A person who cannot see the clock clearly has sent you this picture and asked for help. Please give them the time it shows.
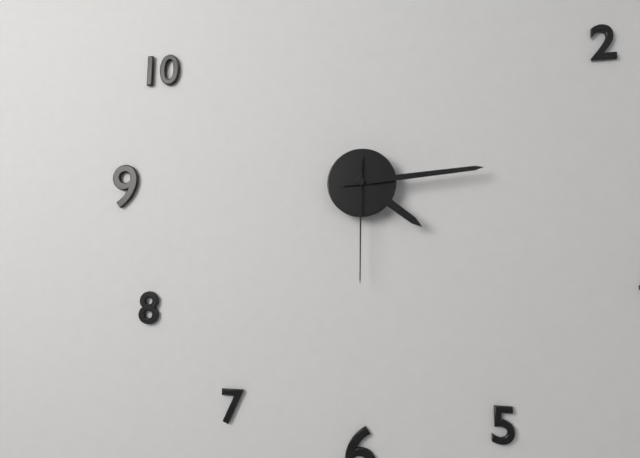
4:14:30
